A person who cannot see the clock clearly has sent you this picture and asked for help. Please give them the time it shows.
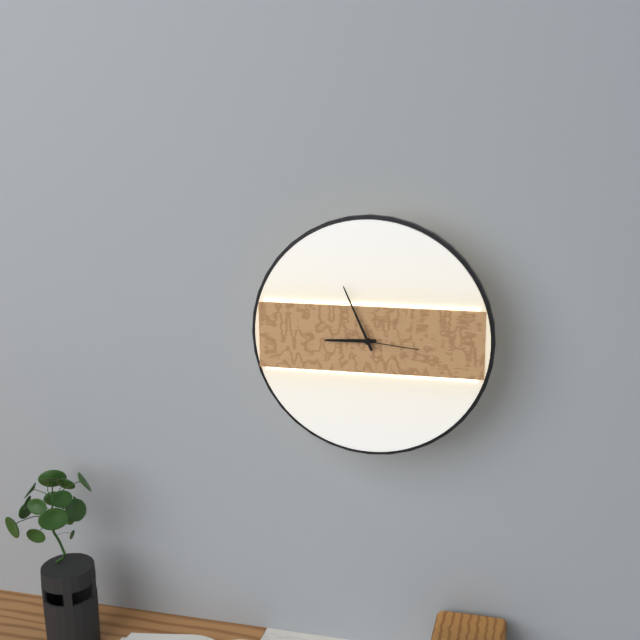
8:56:16
